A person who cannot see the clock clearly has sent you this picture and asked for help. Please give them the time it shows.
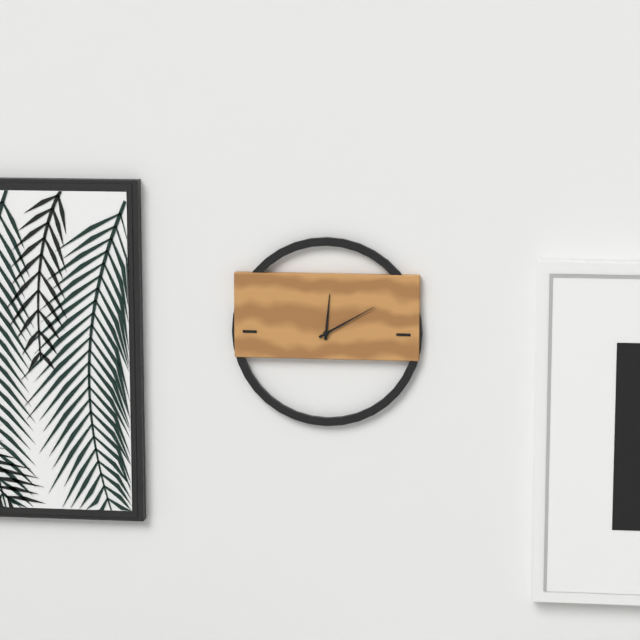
12:10
